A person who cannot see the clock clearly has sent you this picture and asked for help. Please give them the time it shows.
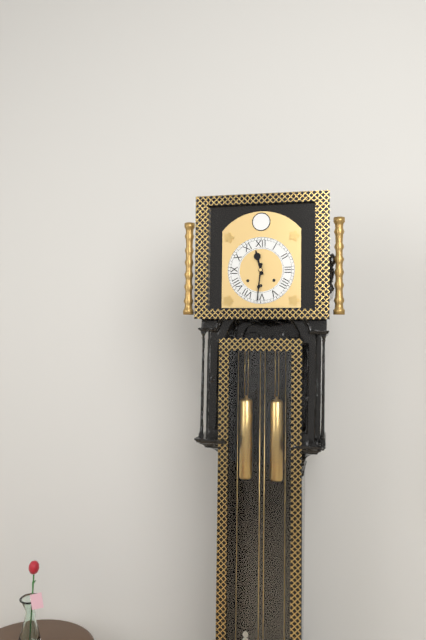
11:31
